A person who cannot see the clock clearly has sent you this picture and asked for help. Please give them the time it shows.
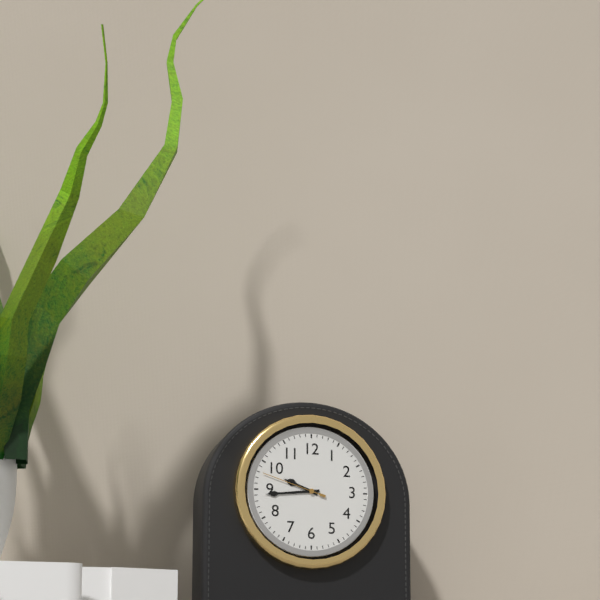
9:44:48
